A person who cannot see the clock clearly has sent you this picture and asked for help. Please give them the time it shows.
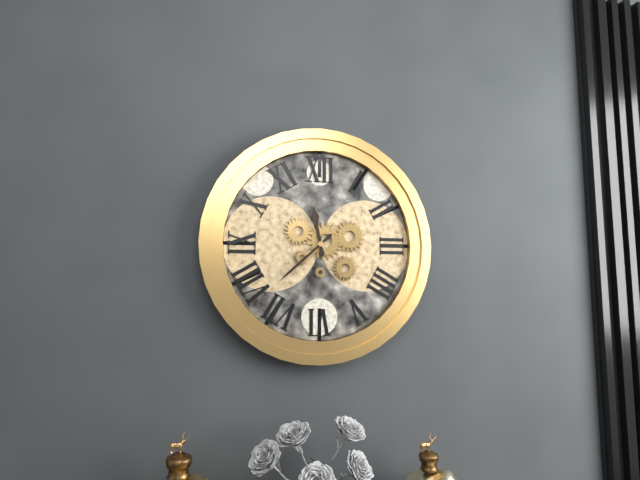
11:38
